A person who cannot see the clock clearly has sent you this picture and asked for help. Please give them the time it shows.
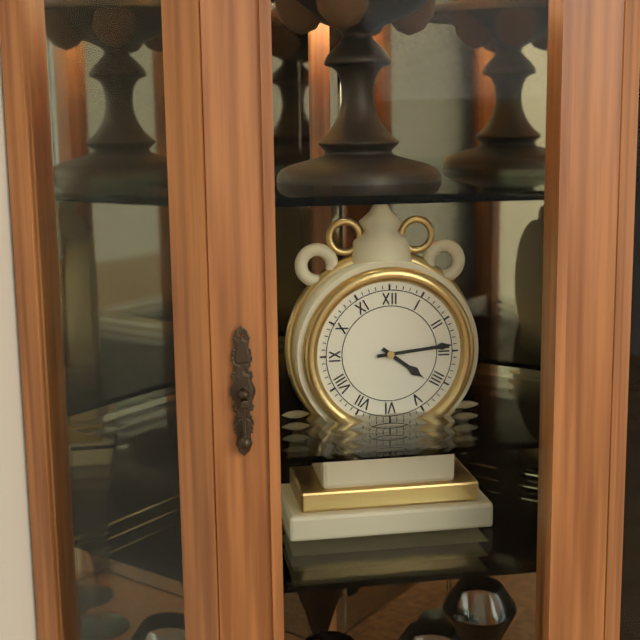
4:14
